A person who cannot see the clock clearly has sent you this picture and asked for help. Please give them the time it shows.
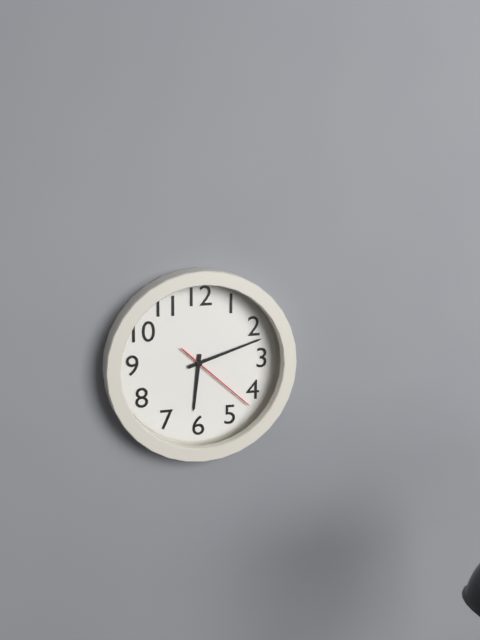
6:12:22
